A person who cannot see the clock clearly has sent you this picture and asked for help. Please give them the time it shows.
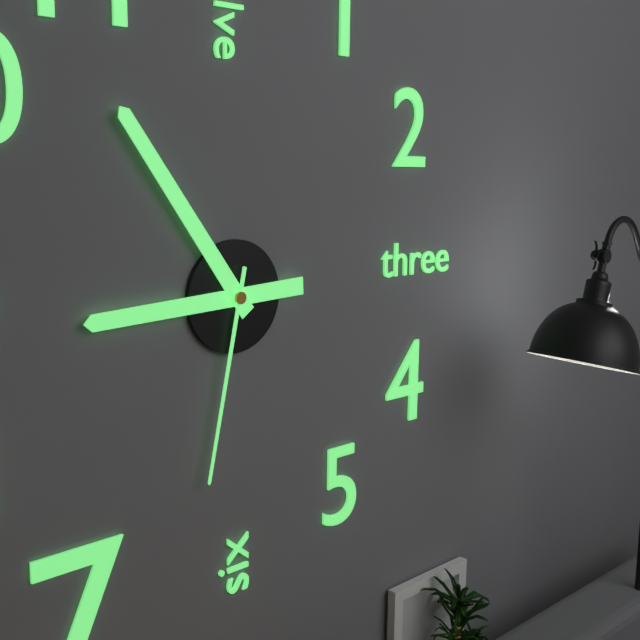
8:54:32
